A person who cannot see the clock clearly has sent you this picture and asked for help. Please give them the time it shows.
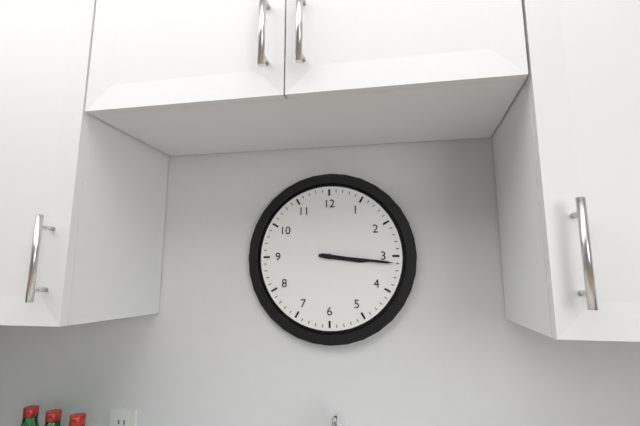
3:16
